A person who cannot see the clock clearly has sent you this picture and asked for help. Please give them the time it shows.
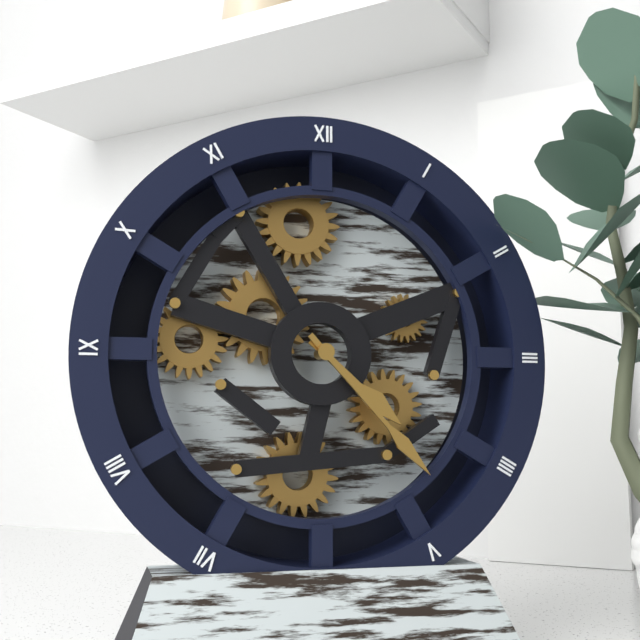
4:23
